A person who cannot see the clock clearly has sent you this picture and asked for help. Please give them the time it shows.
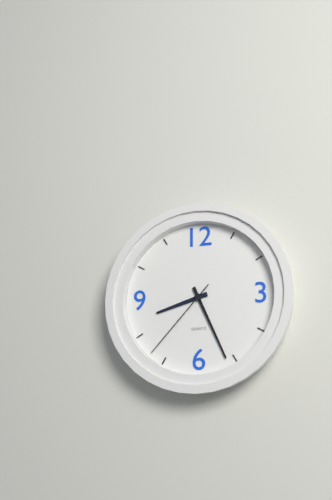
8:26:37
